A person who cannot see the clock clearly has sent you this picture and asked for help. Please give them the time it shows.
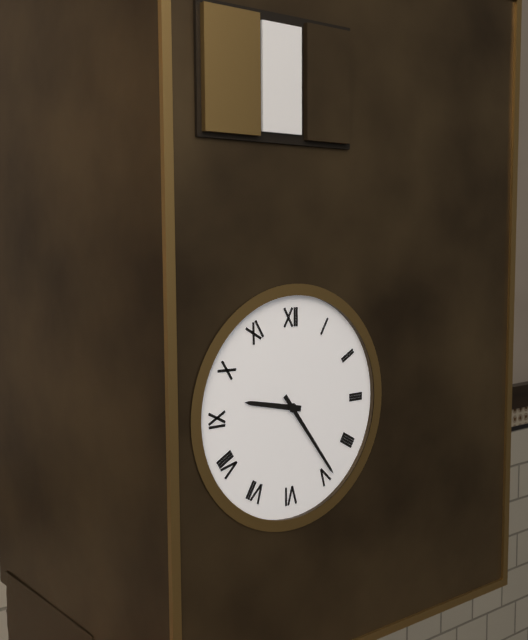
9:24
